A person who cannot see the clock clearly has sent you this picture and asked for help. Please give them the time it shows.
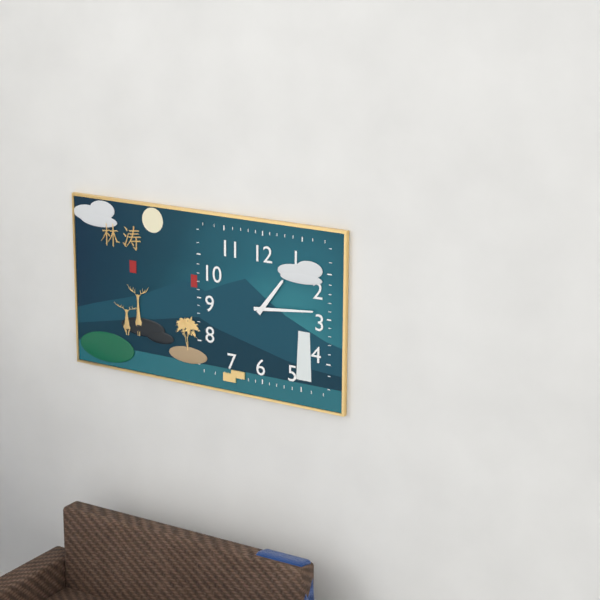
1:14
